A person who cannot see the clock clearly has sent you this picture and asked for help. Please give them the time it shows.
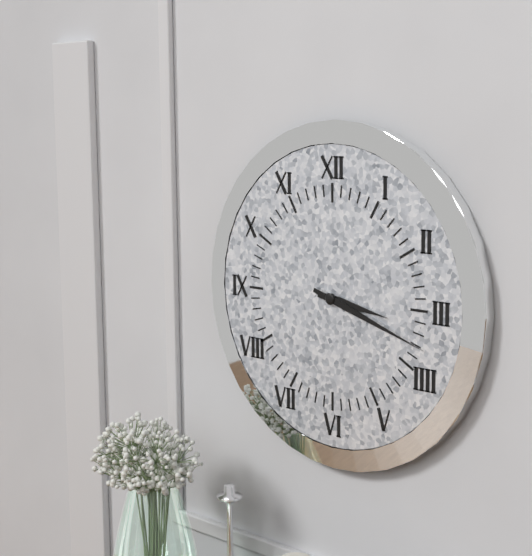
3:18
